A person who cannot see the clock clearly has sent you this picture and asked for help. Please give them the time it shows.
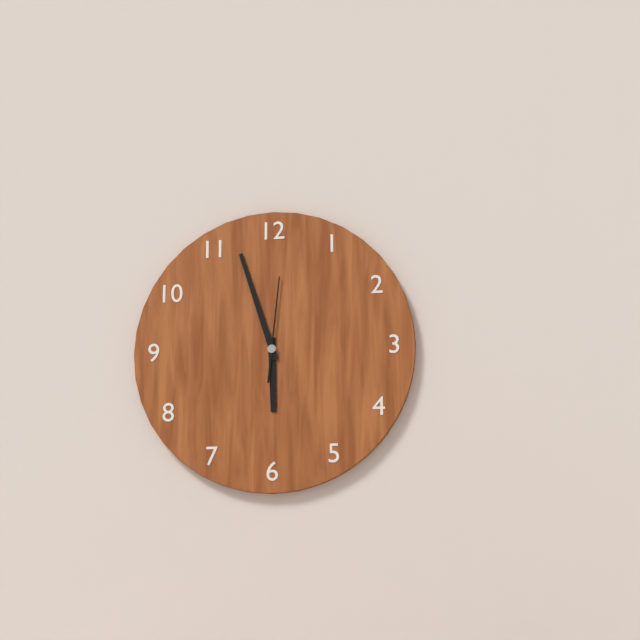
5:57:01
